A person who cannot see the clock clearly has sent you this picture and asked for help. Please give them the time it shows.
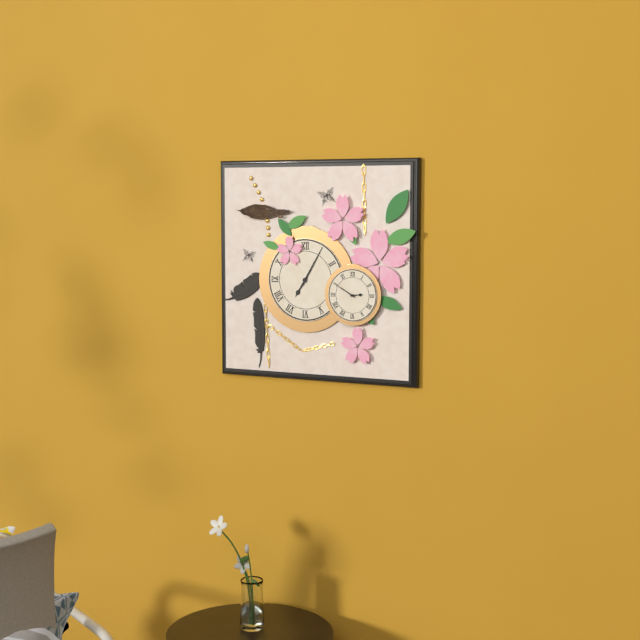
7:05
